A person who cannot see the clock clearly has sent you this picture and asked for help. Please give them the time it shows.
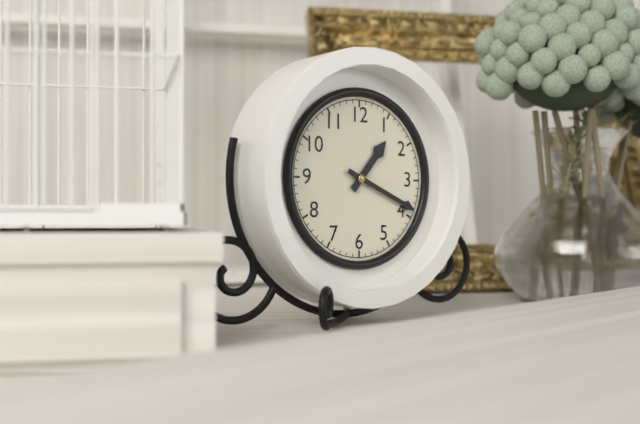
1:19
